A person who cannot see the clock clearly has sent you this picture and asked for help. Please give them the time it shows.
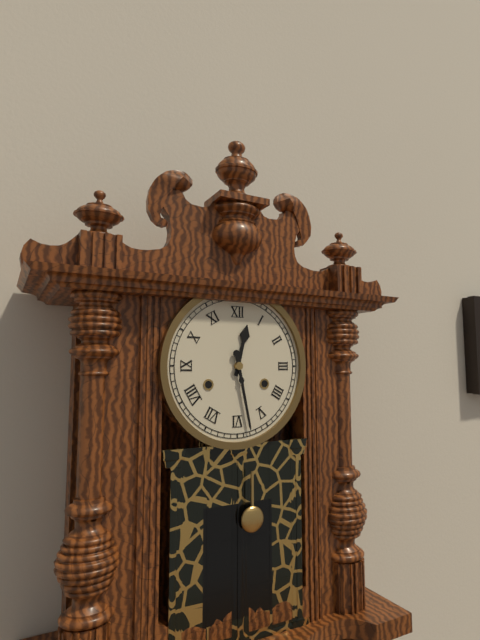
12:28
